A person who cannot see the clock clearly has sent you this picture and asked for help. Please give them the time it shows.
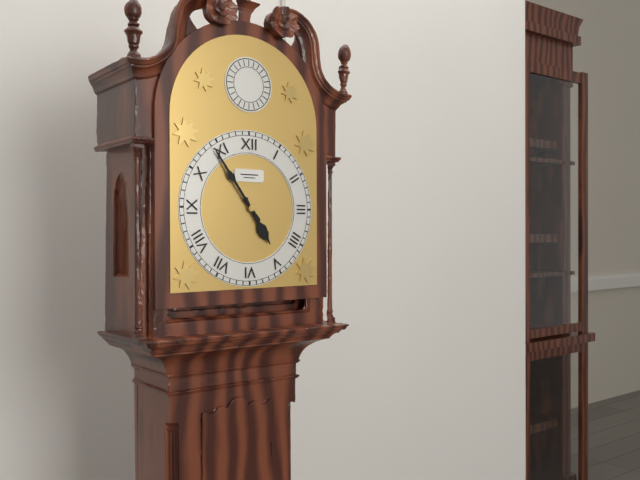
4:54
